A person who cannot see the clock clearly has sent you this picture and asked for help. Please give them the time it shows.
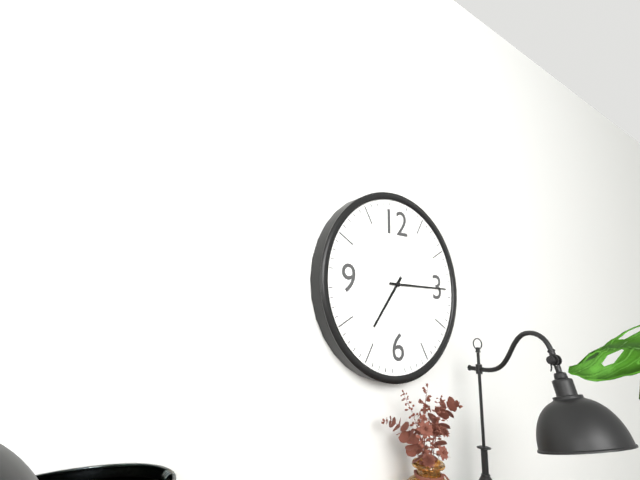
7:15
